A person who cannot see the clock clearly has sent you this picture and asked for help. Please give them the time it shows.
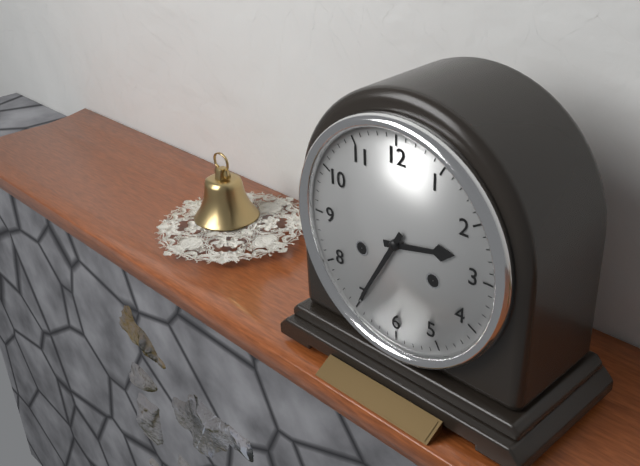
2:35
